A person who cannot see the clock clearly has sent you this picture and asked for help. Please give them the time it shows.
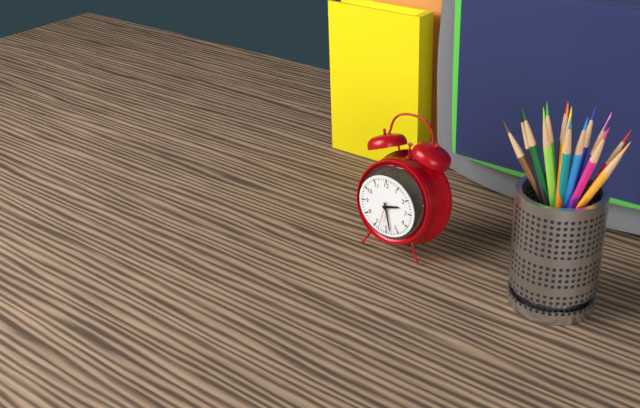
2:28
